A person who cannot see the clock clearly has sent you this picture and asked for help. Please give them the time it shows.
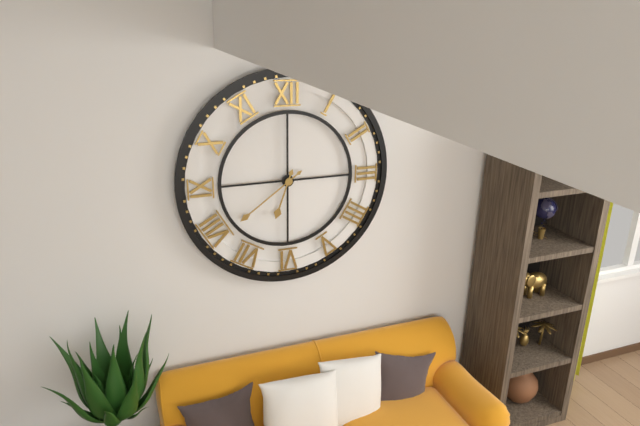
6:39
